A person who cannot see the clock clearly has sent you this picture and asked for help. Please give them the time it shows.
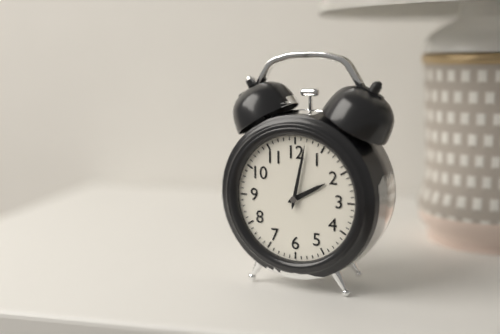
2:02
